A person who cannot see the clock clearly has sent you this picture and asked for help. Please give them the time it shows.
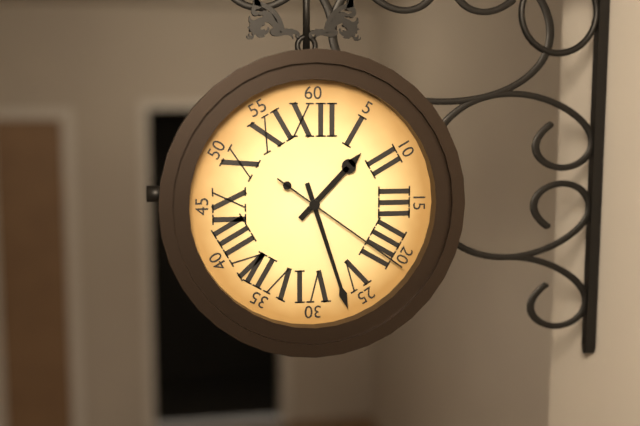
1:27:21
